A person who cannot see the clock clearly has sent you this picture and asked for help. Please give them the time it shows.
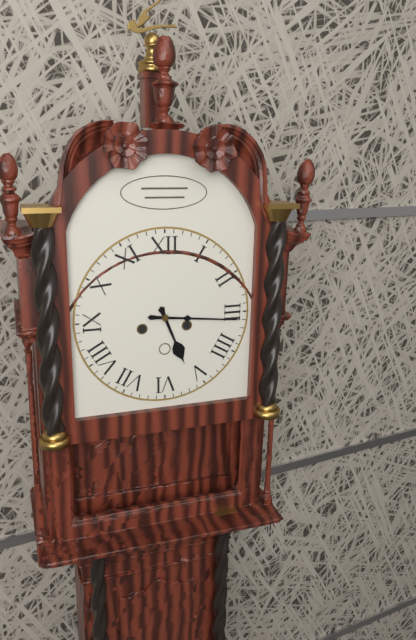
5:16
